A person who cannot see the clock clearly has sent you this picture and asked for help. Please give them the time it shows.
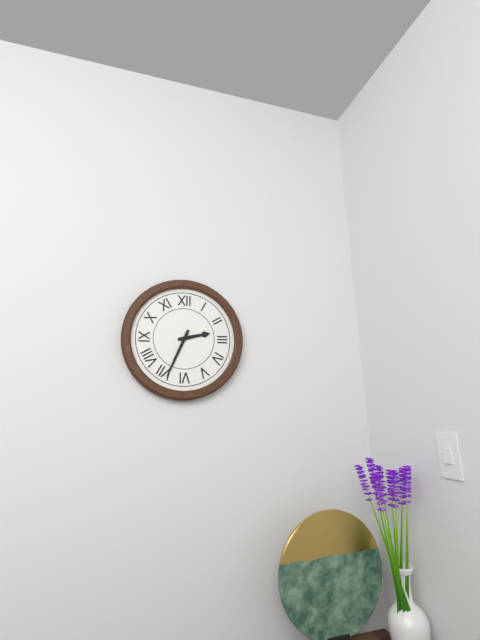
2:34
